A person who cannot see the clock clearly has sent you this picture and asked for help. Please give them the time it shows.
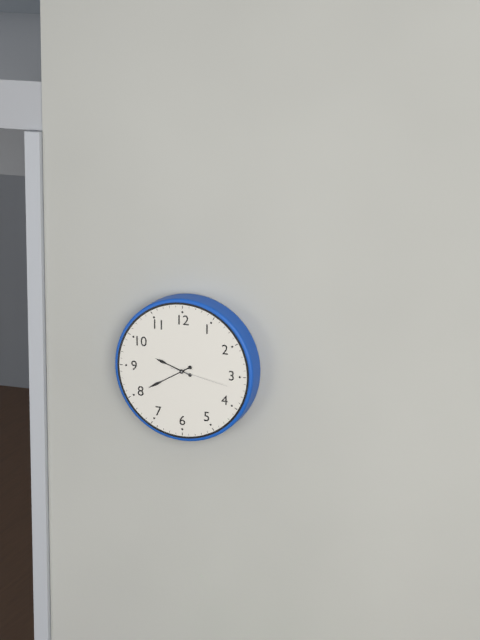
9:40:17
